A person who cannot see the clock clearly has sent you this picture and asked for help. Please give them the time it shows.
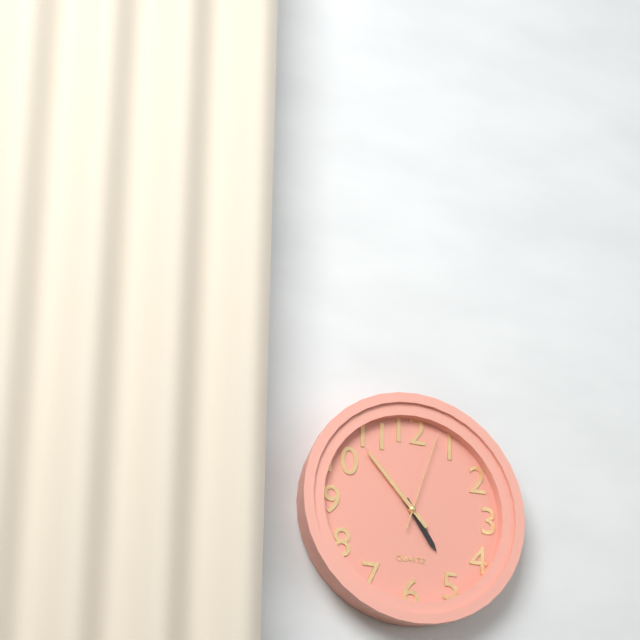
4:53:03
